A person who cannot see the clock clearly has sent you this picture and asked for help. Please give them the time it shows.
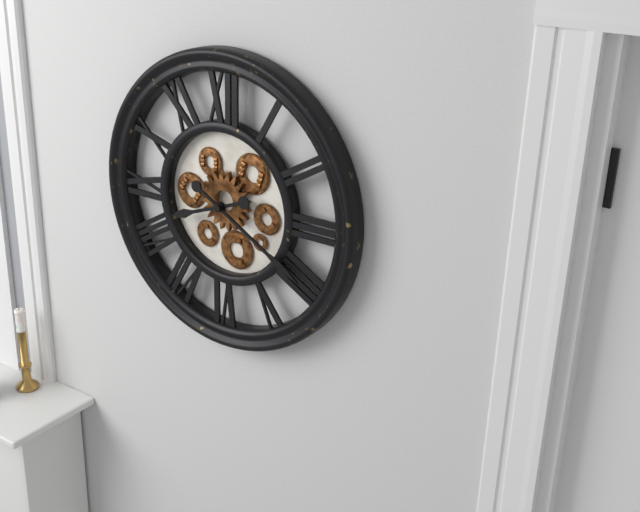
8:20
